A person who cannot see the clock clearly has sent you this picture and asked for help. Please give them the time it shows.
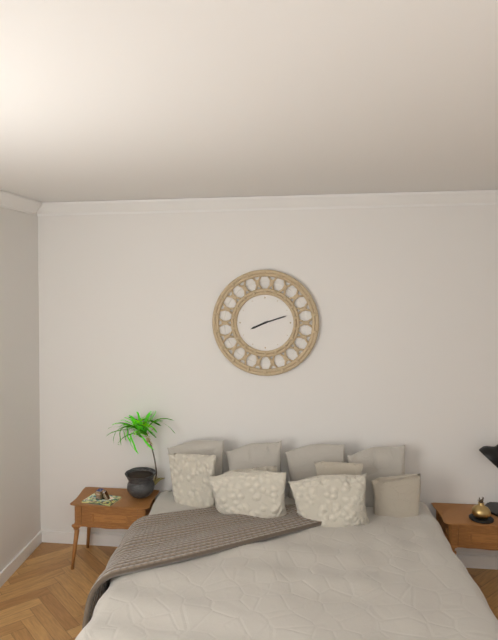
8:12
